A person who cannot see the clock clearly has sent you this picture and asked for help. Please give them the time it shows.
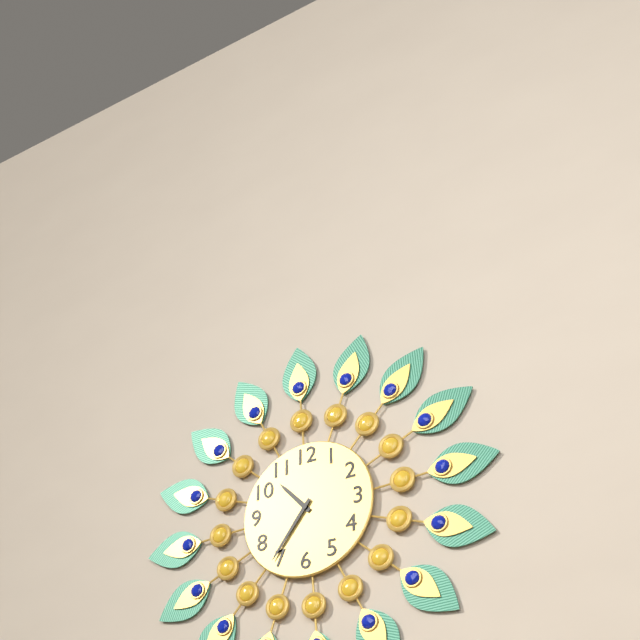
10:36
